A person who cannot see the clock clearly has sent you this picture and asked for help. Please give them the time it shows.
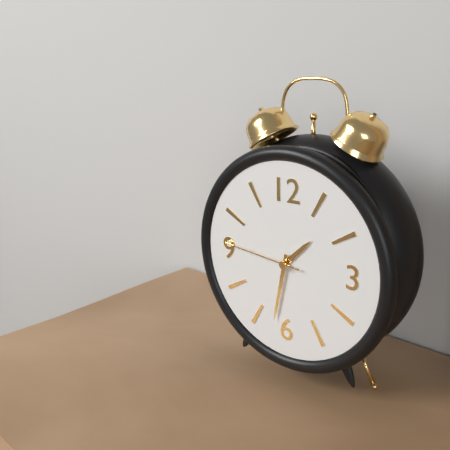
1:32:46
